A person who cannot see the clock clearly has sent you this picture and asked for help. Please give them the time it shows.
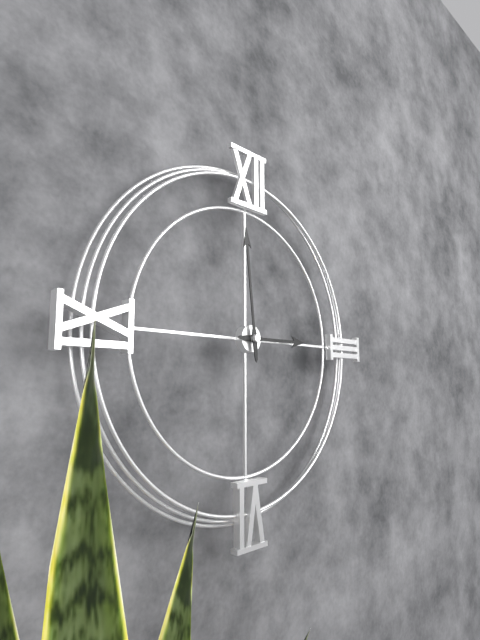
2:59
